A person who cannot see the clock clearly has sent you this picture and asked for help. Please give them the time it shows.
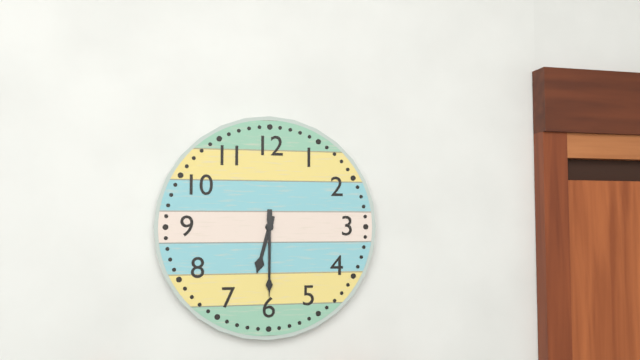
6:30
